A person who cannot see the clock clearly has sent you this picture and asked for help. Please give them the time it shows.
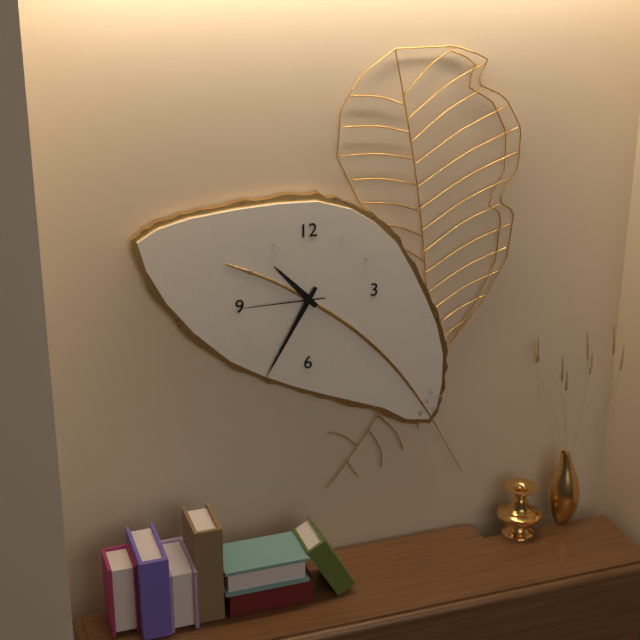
10:35:45
